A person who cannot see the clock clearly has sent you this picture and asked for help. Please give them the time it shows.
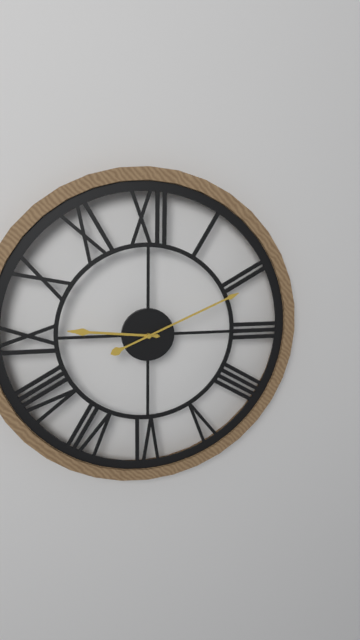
9:11
